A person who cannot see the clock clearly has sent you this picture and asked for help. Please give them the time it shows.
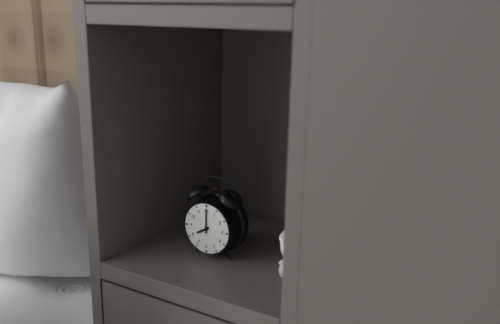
8:00
